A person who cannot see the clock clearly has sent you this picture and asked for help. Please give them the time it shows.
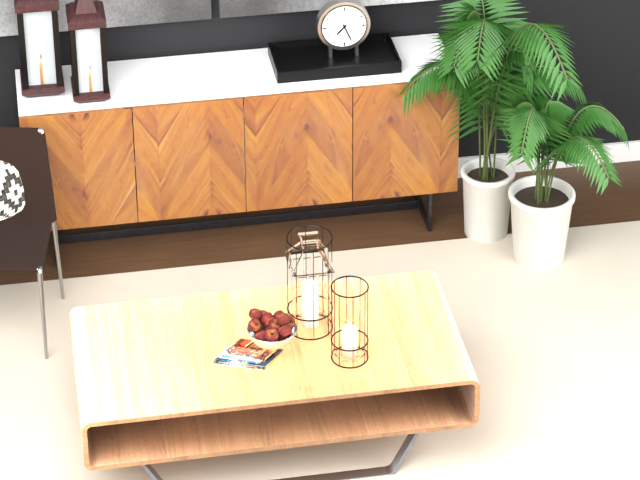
7:26
